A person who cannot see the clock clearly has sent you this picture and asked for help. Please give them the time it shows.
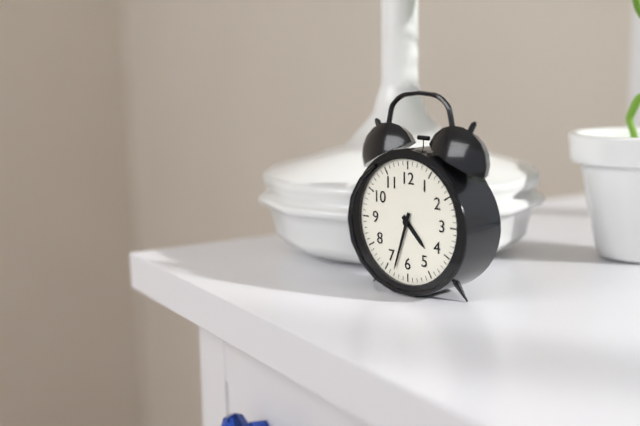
4:33
